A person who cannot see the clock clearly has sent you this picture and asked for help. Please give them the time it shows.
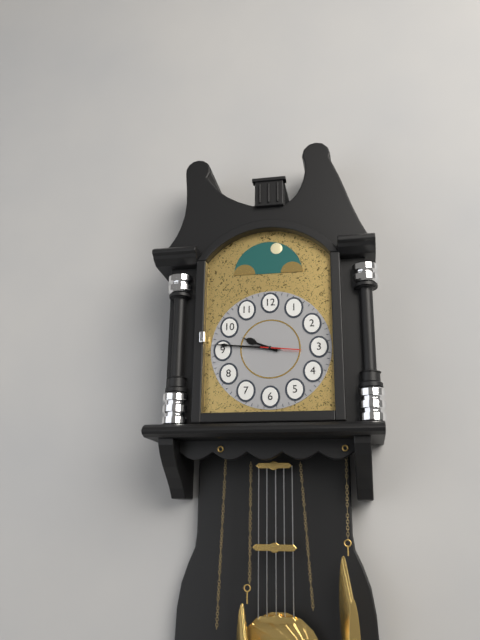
9:46
